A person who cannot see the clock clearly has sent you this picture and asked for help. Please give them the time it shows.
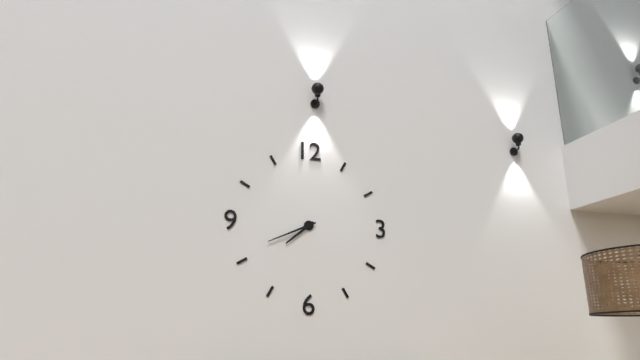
7:41
